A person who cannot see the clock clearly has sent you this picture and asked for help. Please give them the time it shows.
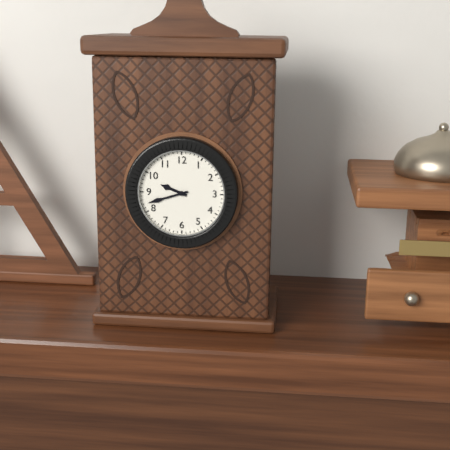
9:42
